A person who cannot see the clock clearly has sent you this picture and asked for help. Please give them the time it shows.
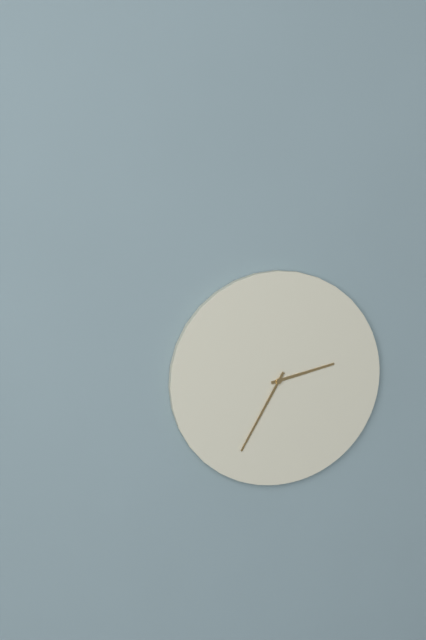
2:35
